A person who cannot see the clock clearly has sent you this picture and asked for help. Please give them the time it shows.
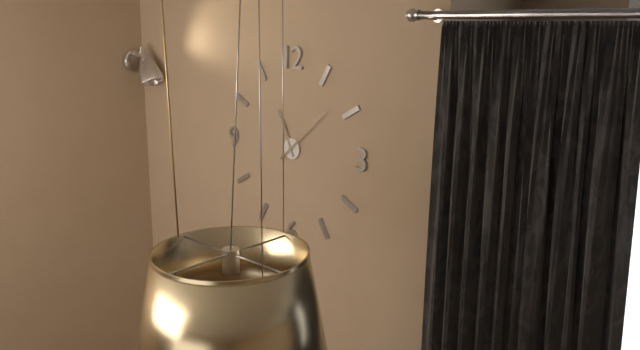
11:08
